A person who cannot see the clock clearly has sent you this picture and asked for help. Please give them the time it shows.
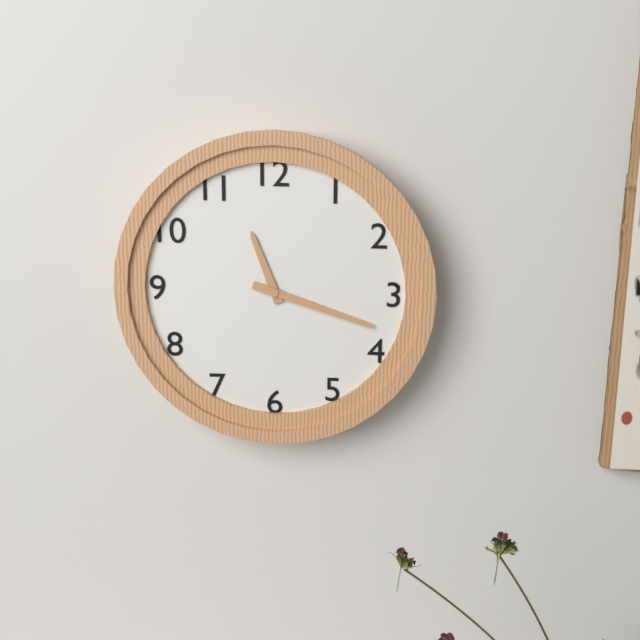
11:18
